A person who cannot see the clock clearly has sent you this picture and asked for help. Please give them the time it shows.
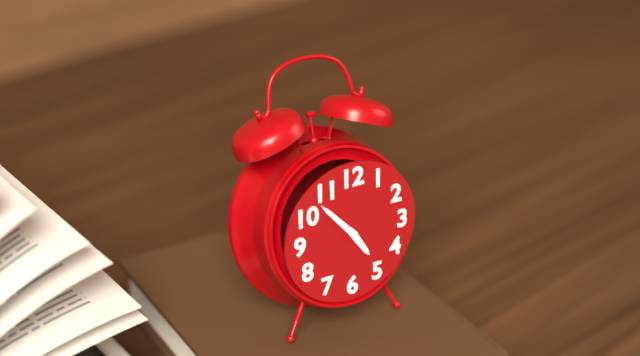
4:53:53
